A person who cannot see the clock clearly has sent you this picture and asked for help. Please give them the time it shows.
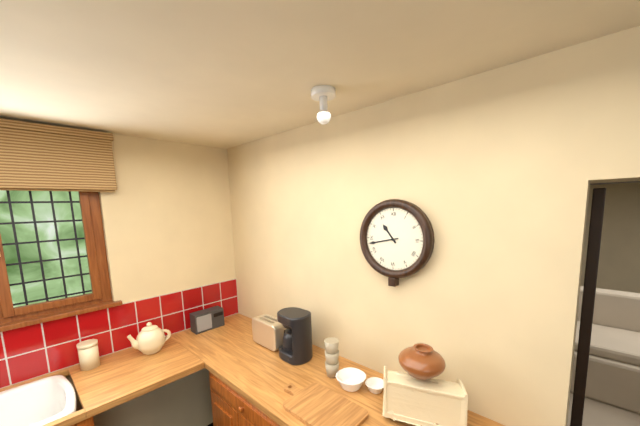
10:43
